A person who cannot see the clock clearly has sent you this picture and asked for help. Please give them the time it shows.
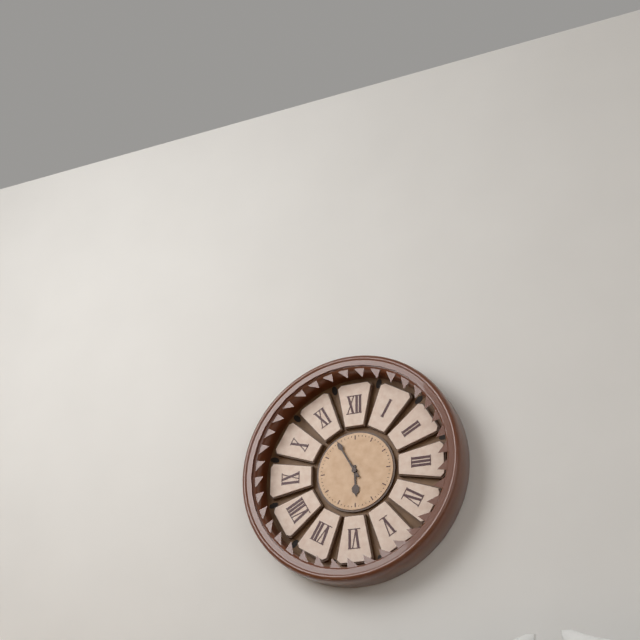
5:55
